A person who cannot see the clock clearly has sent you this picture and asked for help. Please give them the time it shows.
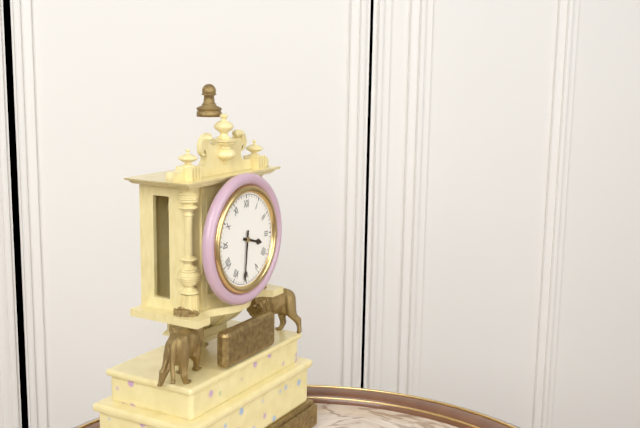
3:31
